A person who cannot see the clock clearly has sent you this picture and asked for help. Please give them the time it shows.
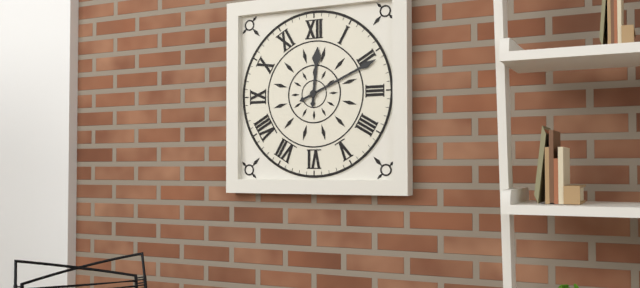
12:11
